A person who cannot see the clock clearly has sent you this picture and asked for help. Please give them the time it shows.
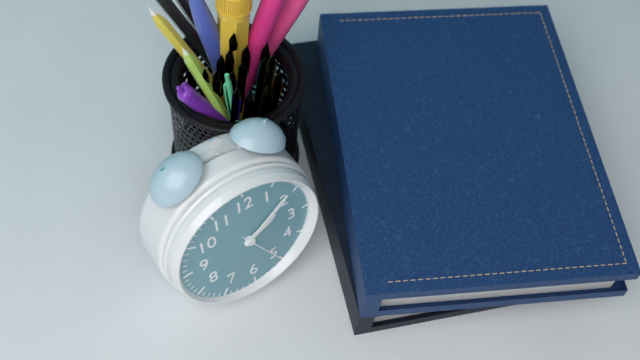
2:09
